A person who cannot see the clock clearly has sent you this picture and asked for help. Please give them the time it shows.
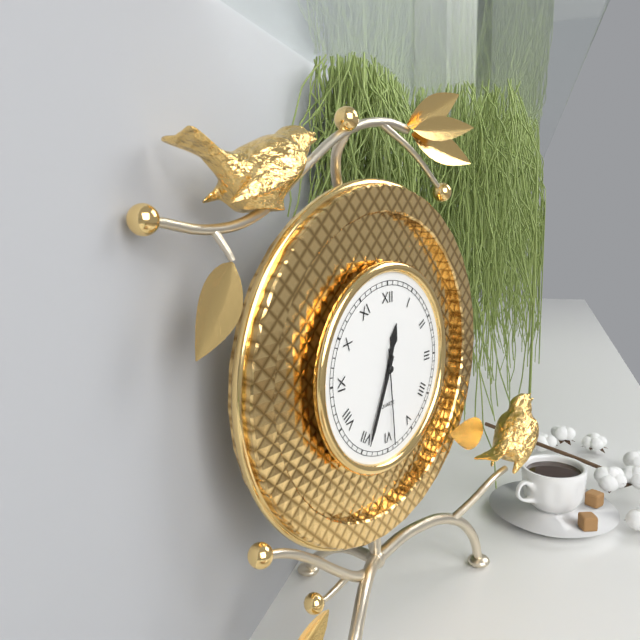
12:34:29
